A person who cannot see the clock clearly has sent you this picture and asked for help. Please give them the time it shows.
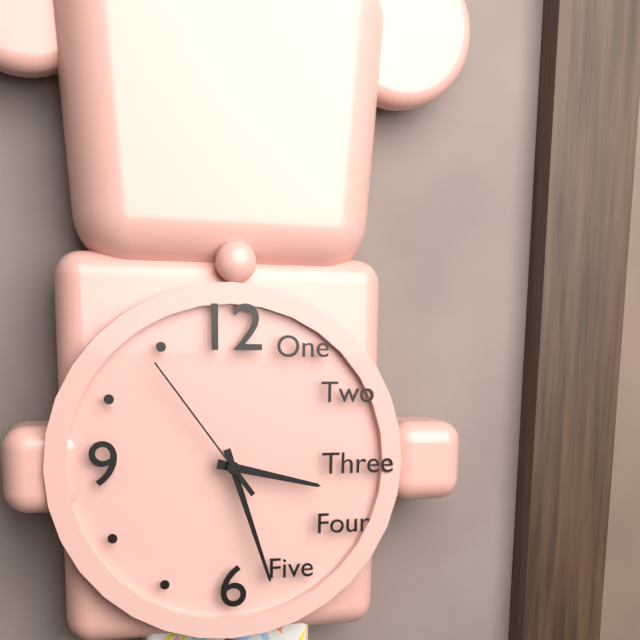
3:27:54
